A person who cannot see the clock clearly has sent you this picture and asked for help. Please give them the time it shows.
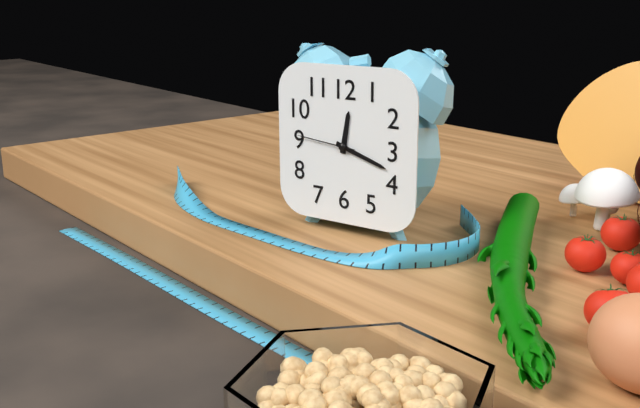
12:18:46
